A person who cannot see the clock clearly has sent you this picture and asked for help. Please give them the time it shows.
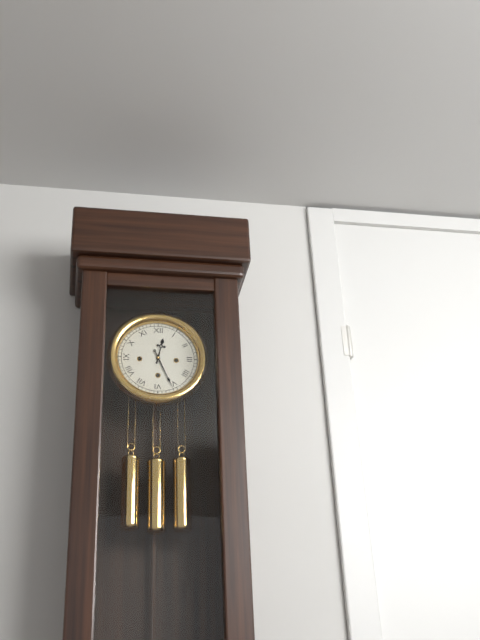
12:26
